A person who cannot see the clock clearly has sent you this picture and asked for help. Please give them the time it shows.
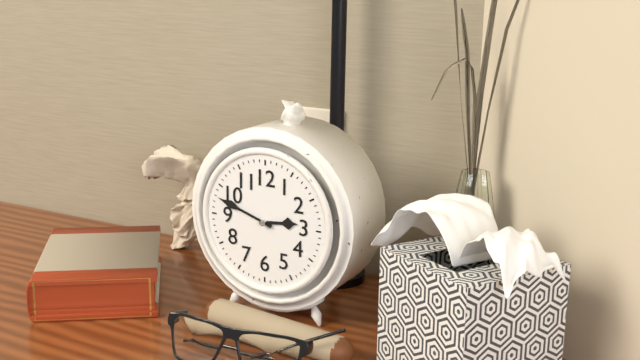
2:48
